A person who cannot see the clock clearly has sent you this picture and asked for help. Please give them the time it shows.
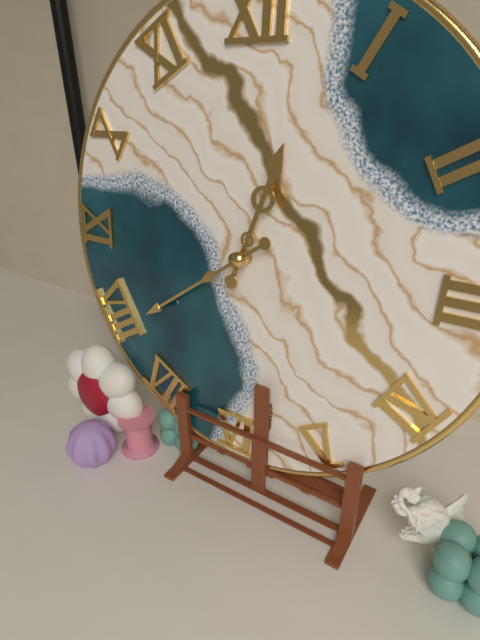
12:39
